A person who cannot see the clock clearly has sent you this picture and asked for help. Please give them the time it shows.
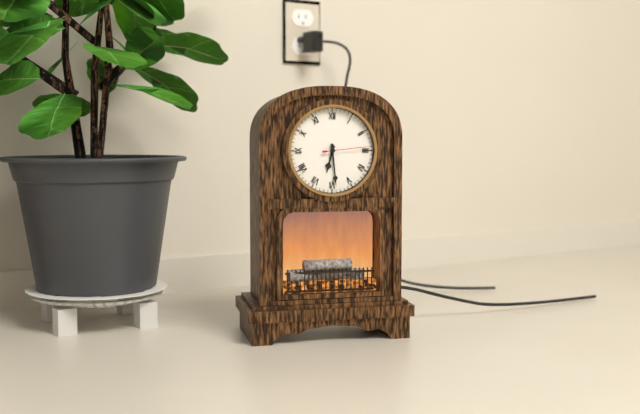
6:29:14
